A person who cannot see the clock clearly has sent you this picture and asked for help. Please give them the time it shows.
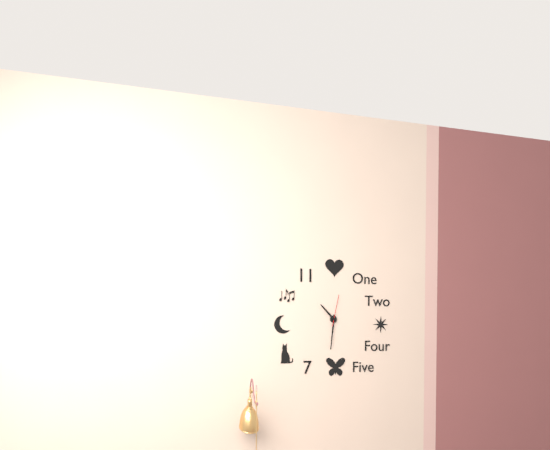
10:31
